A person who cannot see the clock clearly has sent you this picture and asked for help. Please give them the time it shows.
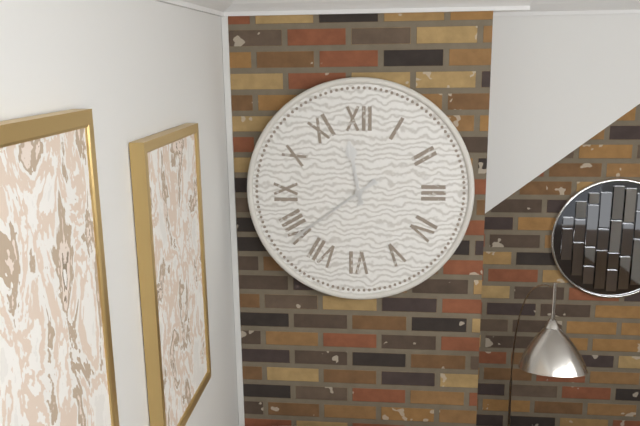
11:39
